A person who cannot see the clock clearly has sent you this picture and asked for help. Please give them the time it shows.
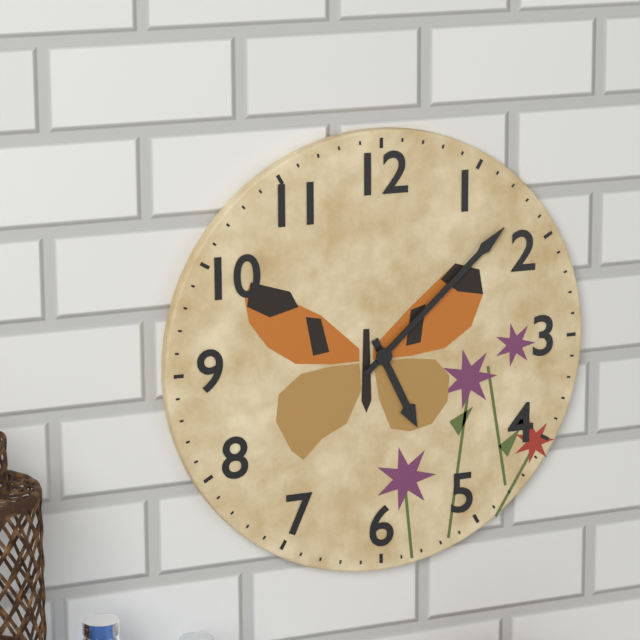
5:08
